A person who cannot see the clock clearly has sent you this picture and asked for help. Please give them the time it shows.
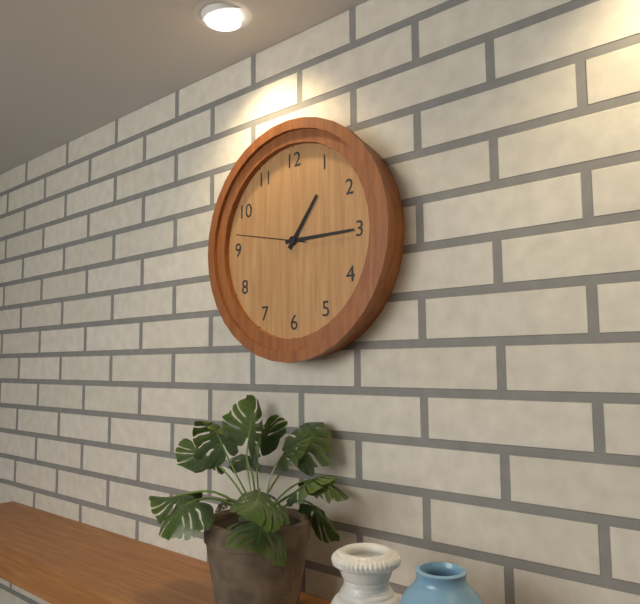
1:15:47
